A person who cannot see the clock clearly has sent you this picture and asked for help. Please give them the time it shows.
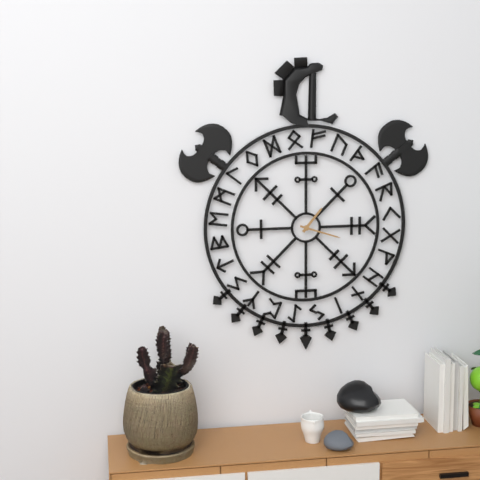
1:18
